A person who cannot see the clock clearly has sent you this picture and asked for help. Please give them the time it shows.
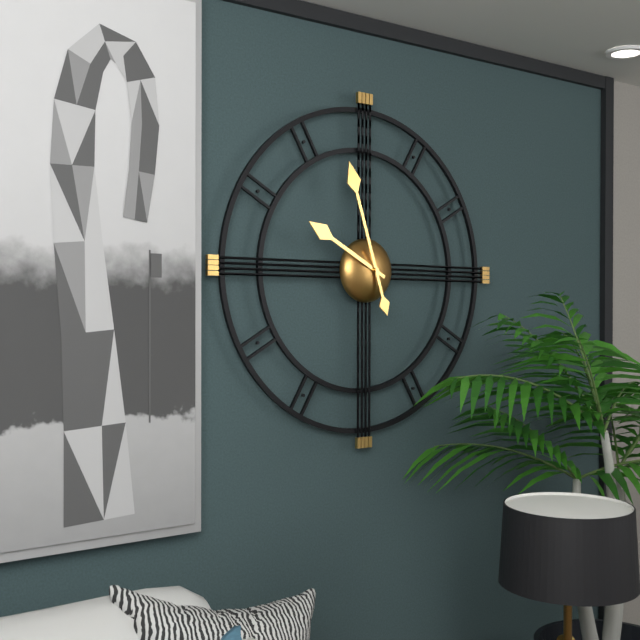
9:57
